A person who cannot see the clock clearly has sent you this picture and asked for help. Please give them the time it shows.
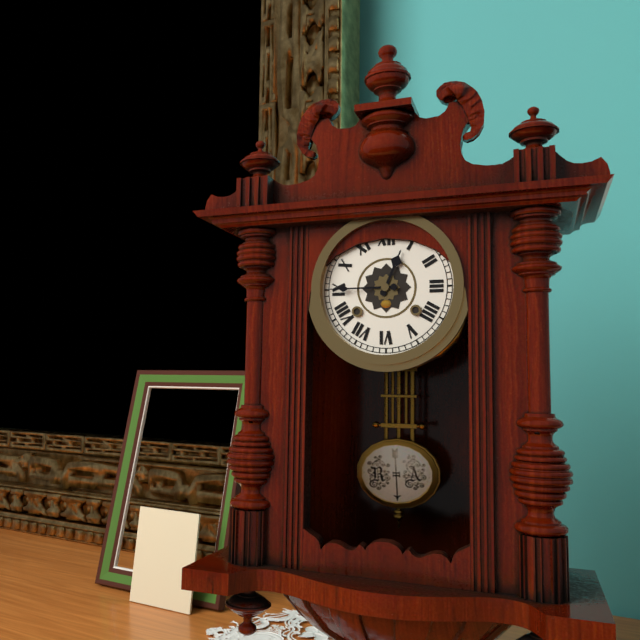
12:45
